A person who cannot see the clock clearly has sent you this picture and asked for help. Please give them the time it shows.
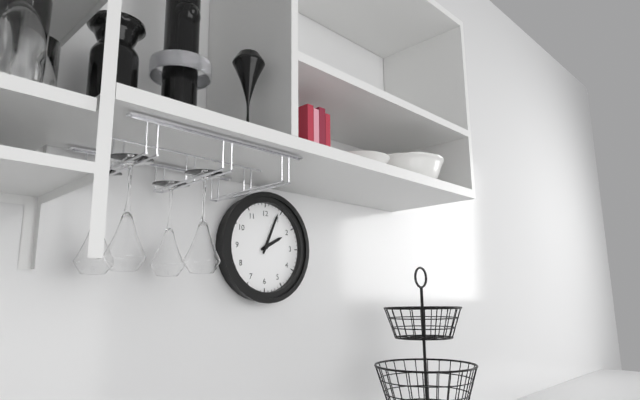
2:04
